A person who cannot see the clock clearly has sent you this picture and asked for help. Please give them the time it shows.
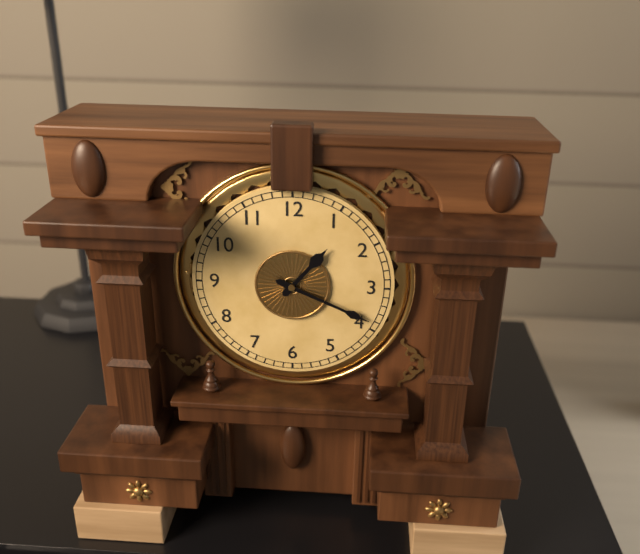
1:19
